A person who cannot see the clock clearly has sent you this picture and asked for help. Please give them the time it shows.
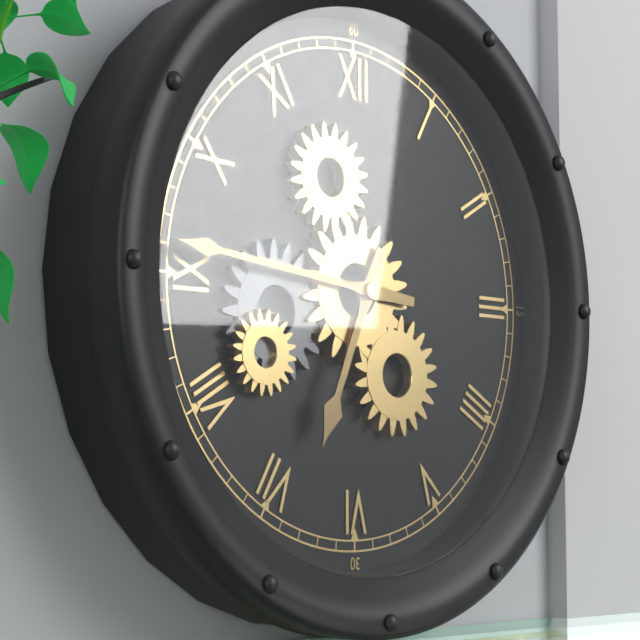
6:46
